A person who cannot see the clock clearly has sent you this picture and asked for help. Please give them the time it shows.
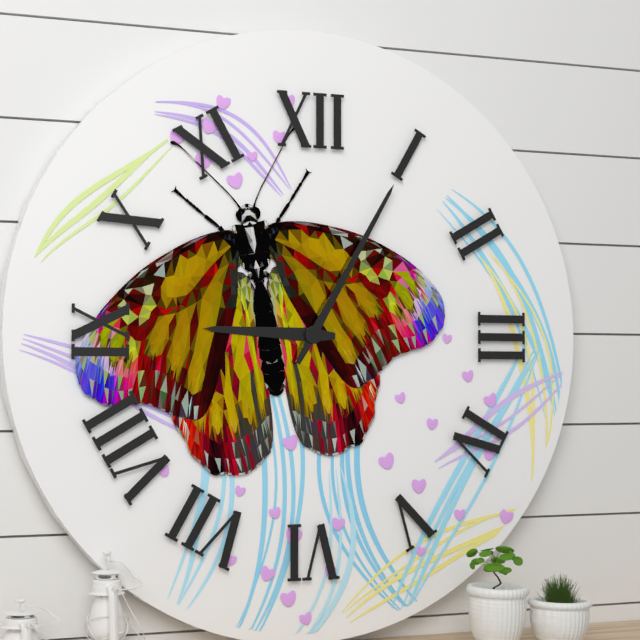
9:05
